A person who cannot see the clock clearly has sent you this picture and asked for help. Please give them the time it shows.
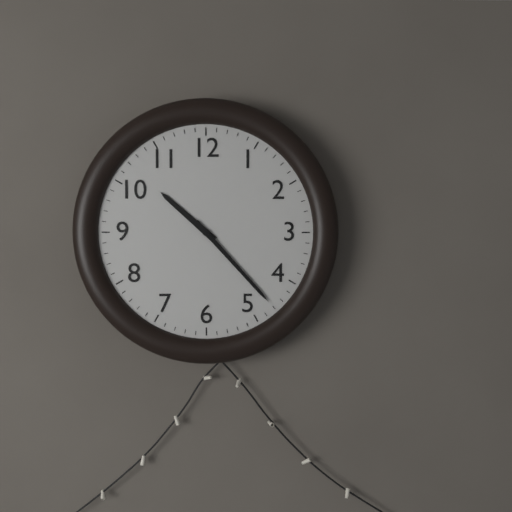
10:23
